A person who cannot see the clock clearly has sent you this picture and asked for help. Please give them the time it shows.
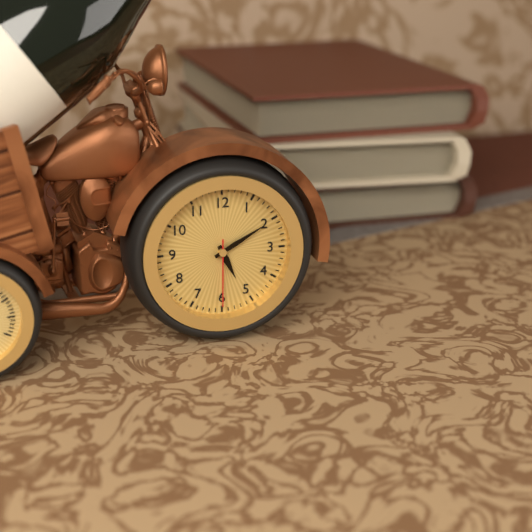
5:10:30
